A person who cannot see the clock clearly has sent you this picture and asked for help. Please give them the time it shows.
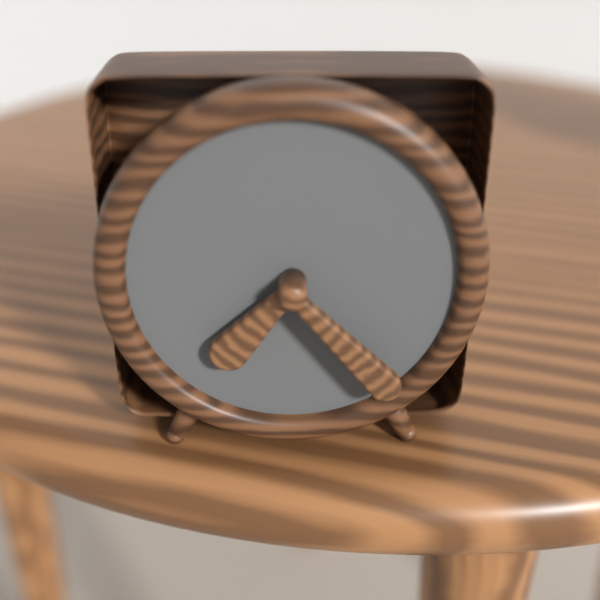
7:23
